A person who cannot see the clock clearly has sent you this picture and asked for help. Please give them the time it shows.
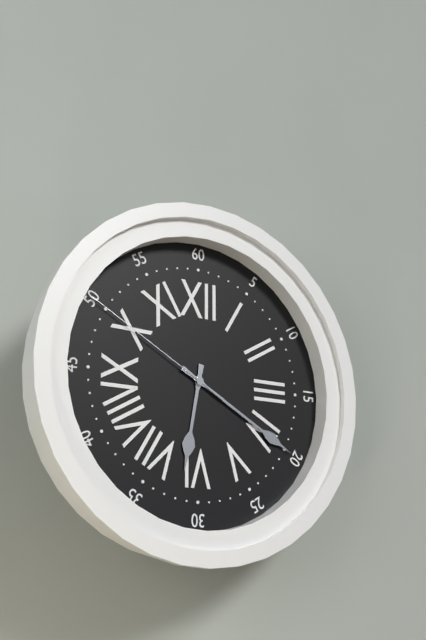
6:20:50
